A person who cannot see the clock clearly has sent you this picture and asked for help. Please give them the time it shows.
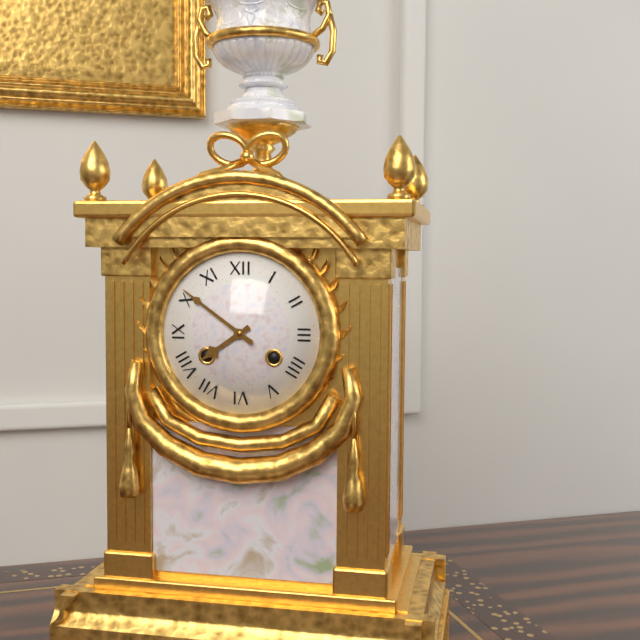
7:51
